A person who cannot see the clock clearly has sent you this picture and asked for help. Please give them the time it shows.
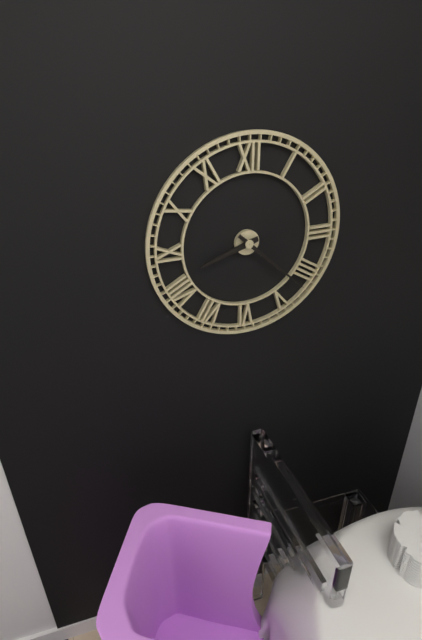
8:22
